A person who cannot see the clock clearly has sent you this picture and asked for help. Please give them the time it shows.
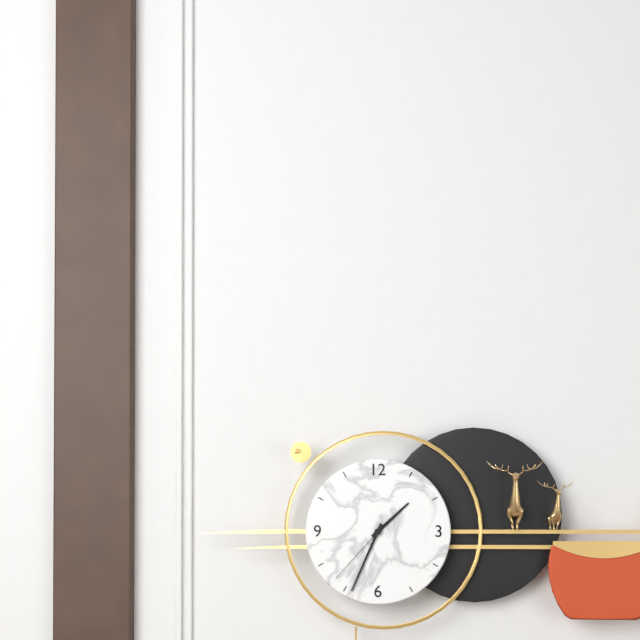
1:34:37
